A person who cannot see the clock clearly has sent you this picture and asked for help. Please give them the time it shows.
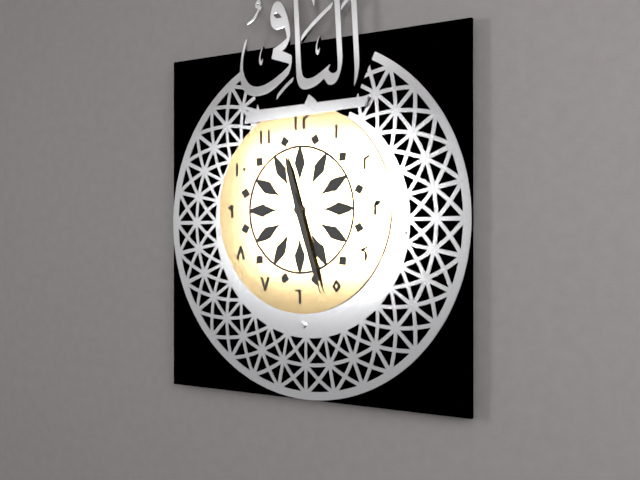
11:27
